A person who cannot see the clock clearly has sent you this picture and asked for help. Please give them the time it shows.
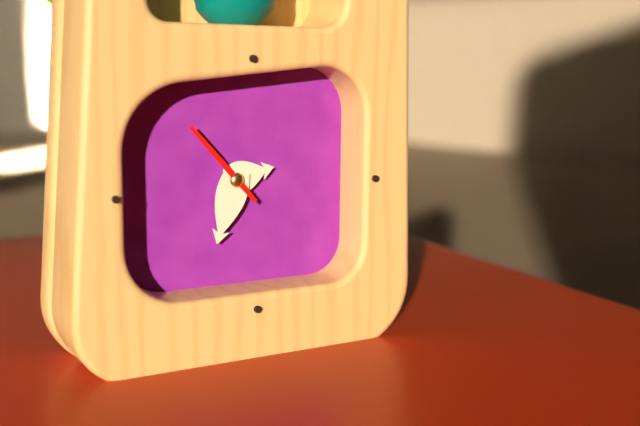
2:33:53
